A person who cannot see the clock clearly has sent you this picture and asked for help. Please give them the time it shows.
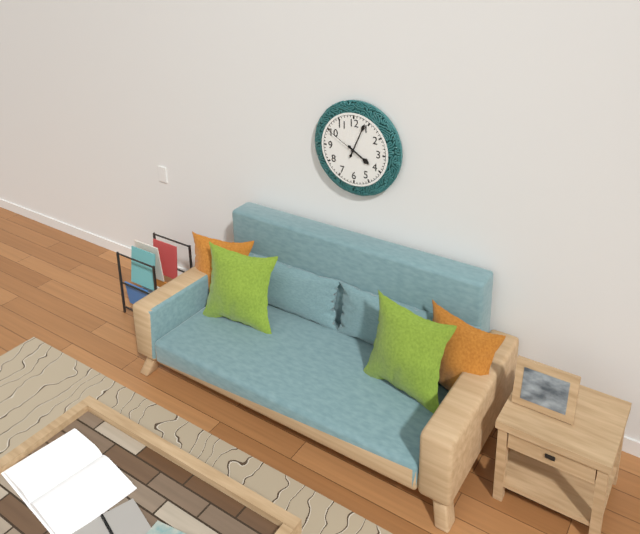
4:04
